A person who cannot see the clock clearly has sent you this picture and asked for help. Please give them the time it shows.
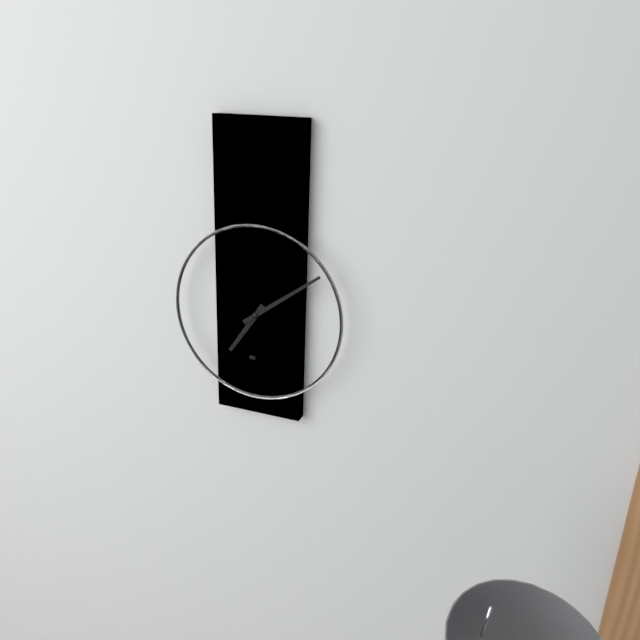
7:09
